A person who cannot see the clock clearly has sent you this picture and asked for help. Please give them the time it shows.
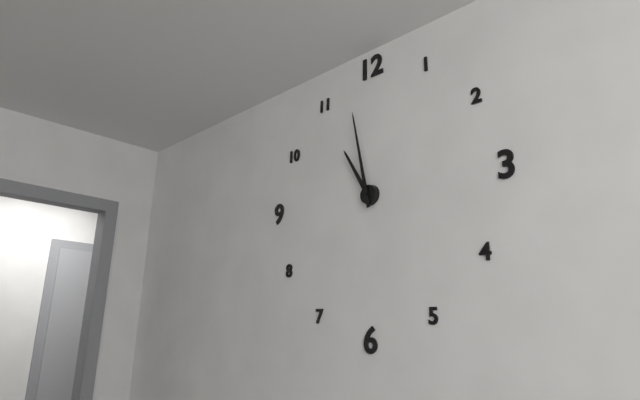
10:58
